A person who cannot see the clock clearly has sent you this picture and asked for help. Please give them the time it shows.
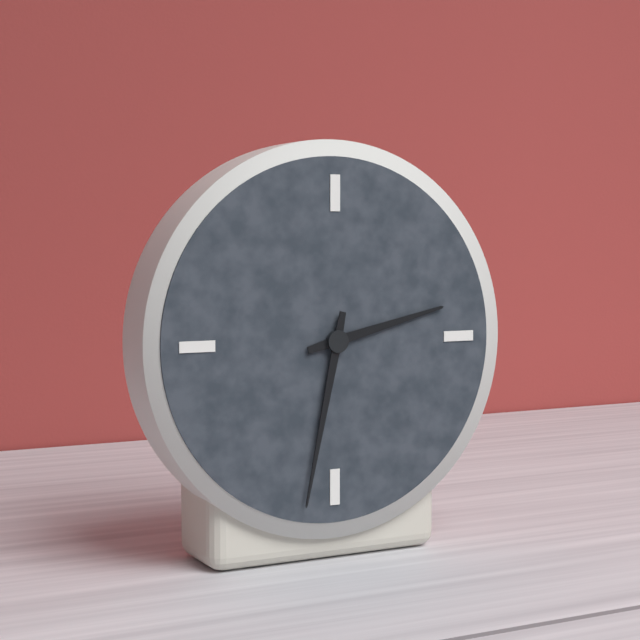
2:32
